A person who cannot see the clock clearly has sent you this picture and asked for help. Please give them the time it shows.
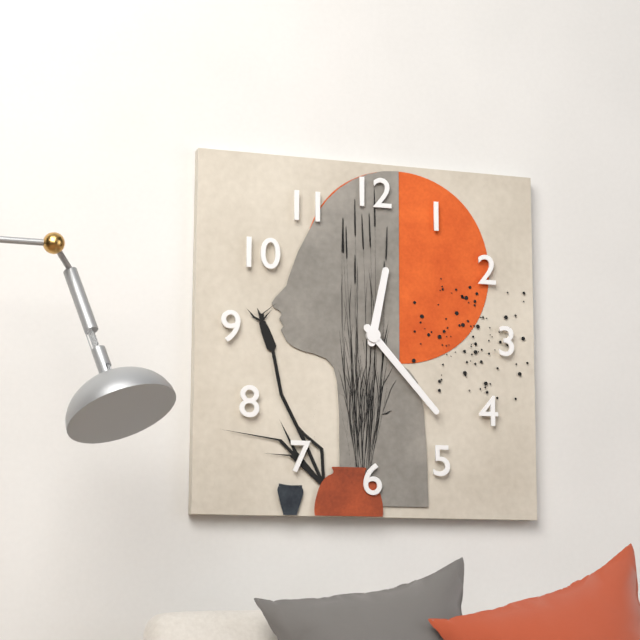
12:23
